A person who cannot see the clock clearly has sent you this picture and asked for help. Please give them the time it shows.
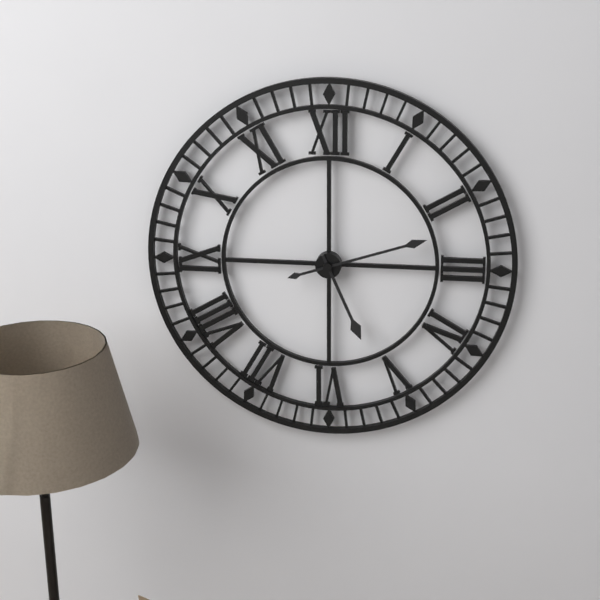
5:12
